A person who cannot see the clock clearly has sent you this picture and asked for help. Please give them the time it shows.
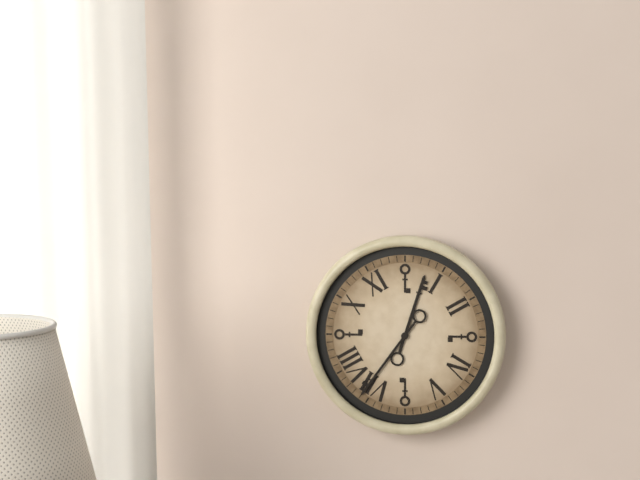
12:36
